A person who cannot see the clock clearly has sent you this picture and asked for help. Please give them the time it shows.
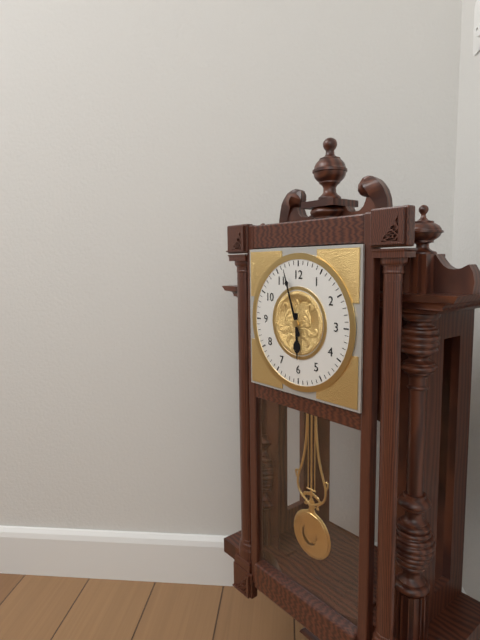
5:57
